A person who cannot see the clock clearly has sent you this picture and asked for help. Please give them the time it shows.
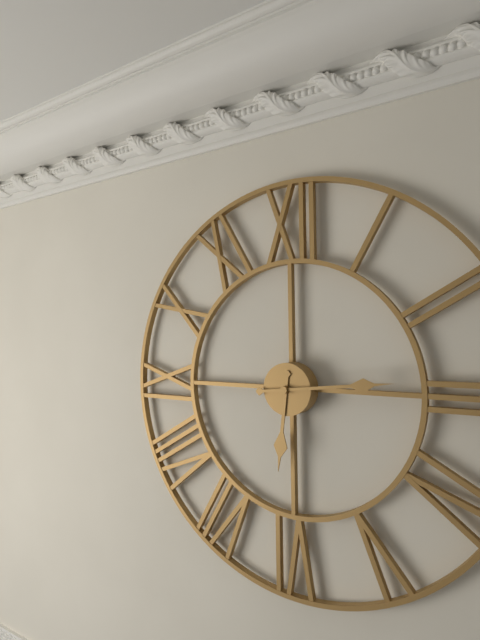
6:14
